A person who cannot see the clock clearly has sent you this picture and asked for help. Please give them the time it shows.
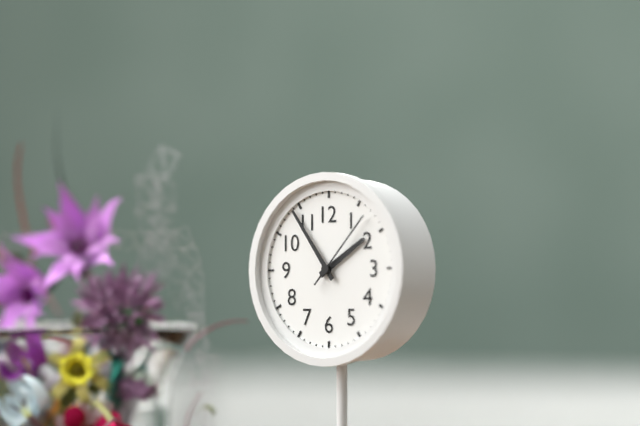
1:54:07
